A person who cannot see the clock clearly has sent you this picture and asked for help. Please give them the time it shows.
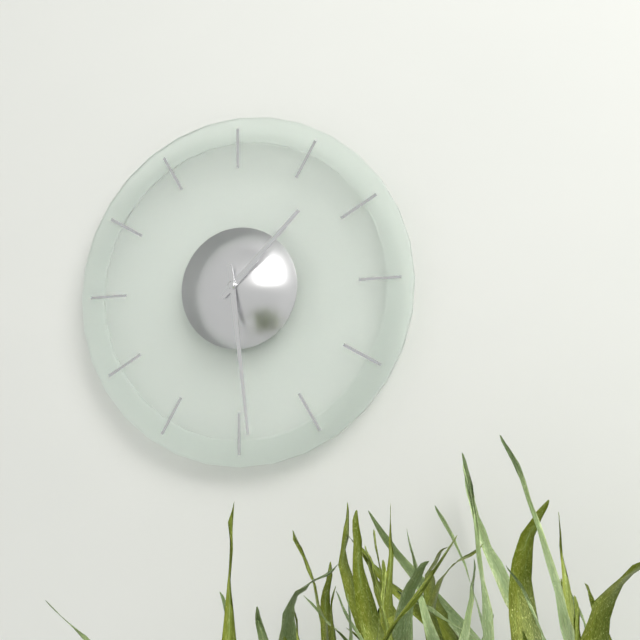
1:29
